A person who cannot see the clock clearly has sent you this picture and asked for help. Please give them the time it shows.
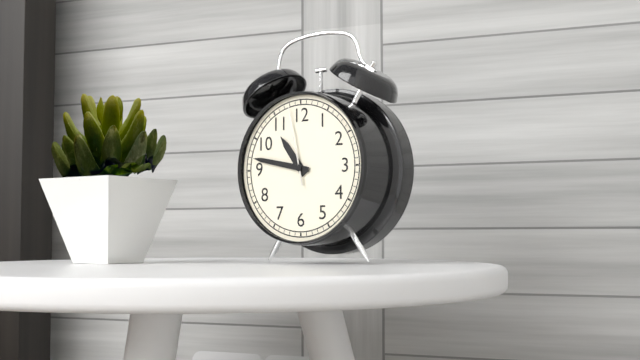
10:47:58
